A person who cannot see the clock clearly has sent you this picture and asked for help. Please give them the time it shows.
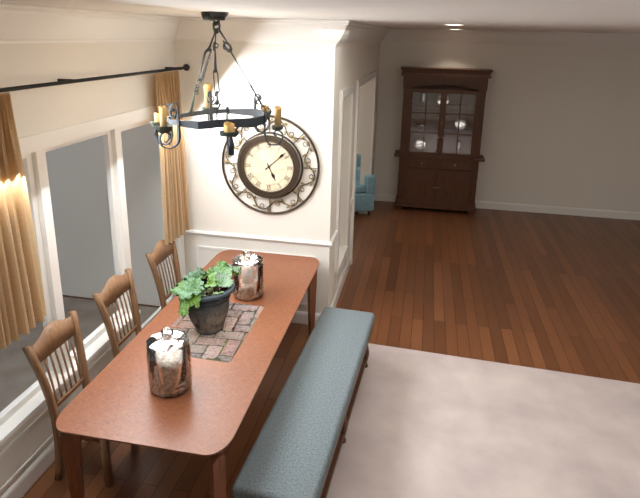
5:08
